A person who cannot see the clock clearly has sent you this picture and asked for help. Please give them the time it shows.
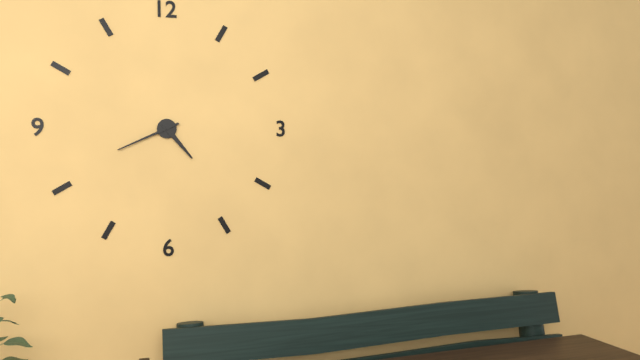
4:41
